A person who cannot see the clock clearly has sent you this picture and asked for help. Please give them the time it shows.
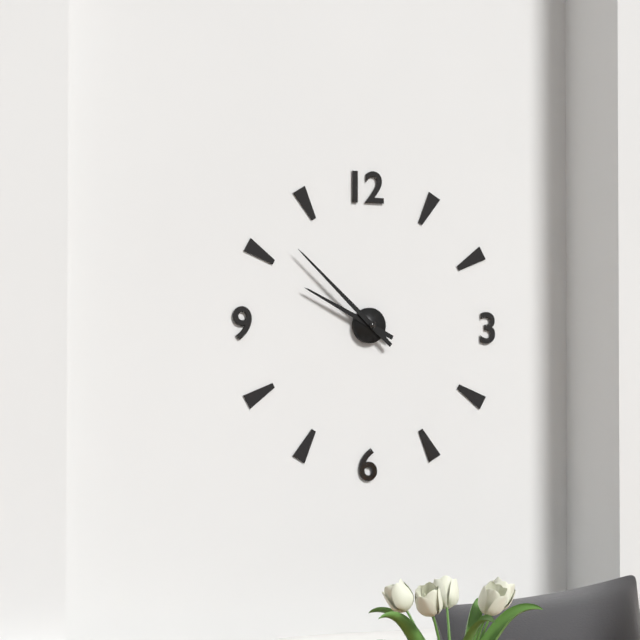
9:52
